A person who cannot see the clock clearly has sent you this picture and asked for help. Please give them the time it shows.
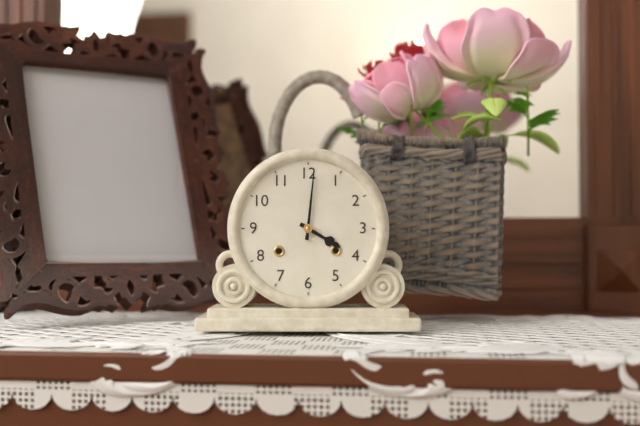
4:01
